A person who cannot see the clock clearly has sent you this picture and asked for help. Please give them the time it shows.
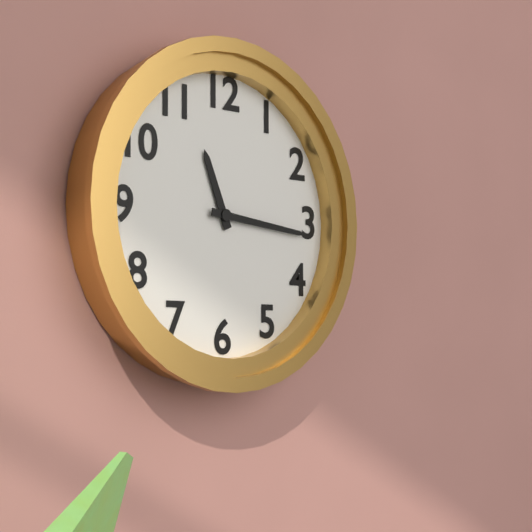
11:16
